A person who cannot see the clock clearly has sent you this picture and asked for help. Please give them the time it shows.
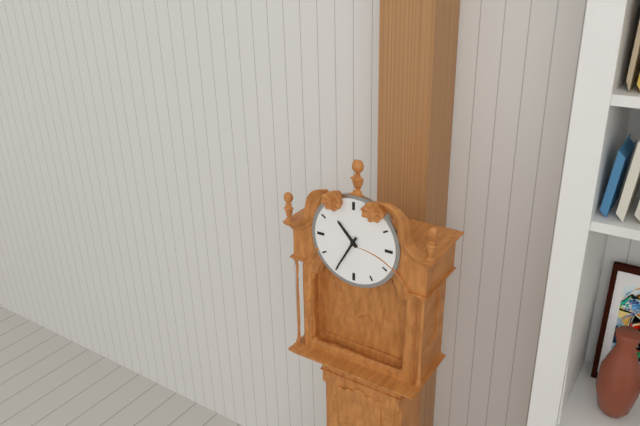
10:35
